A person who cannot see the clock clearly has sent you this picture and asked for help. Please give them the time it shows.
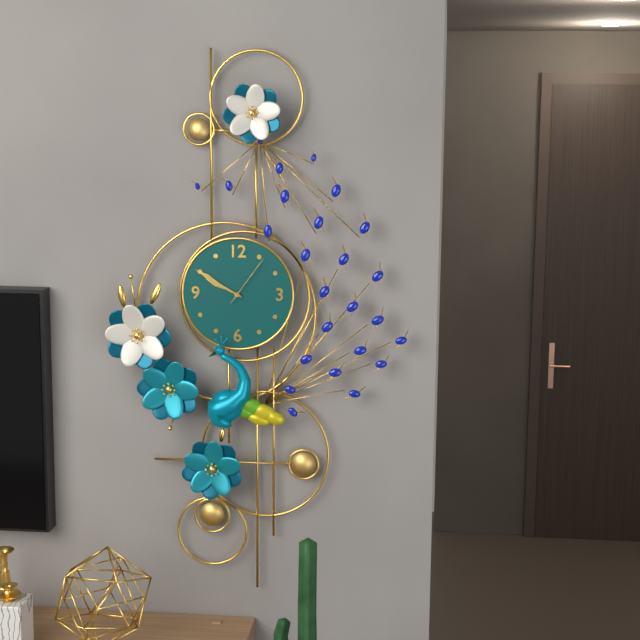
9:50:06
